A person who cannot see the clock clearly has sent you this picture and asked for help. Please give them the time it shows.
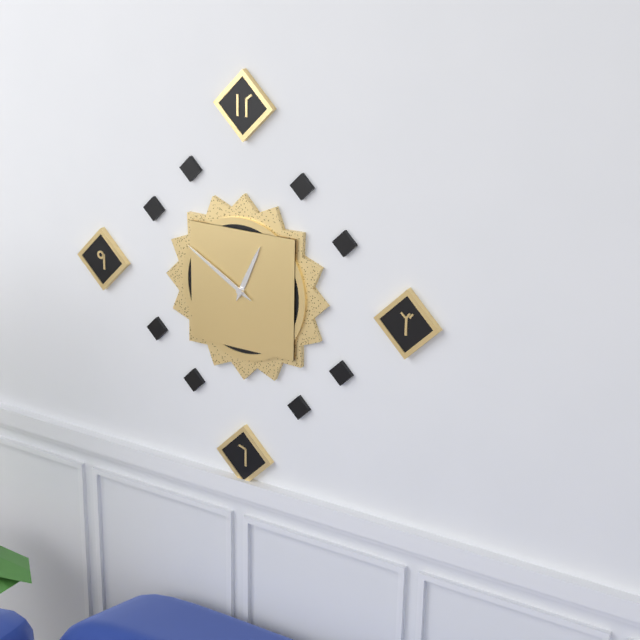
12:50
